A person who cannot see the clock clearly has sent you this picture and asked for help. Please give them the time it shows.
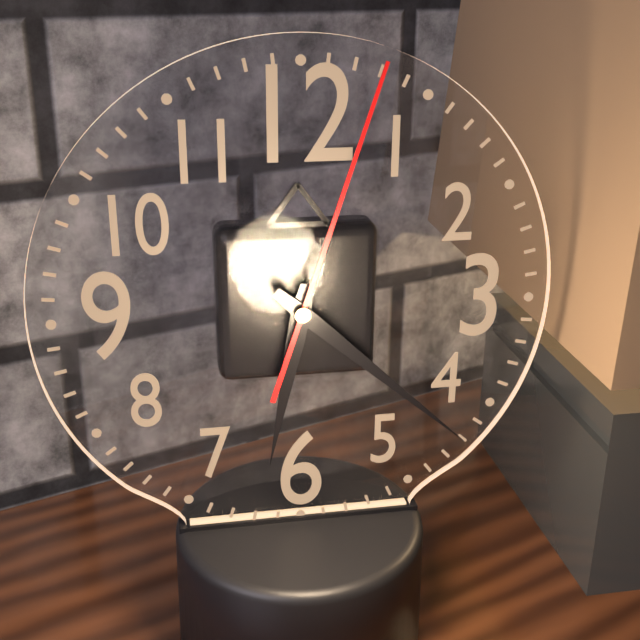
6:22:03
